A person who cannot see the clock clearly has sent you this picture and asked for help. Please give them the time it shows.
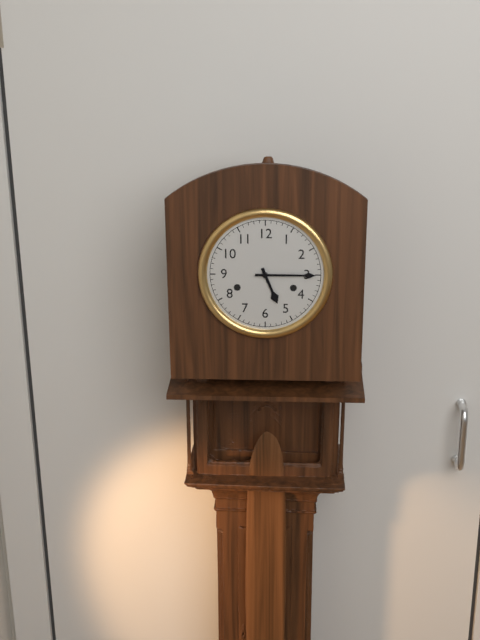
5:15
